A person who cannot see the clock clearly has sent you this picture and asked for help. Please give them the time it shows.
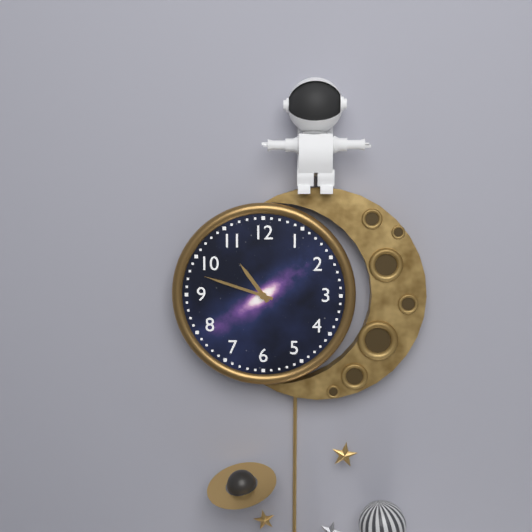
10:48
